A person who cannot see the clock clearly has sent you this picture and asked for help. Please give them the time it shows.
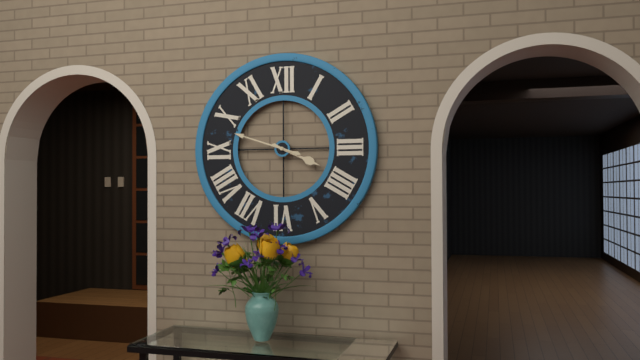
3:48
